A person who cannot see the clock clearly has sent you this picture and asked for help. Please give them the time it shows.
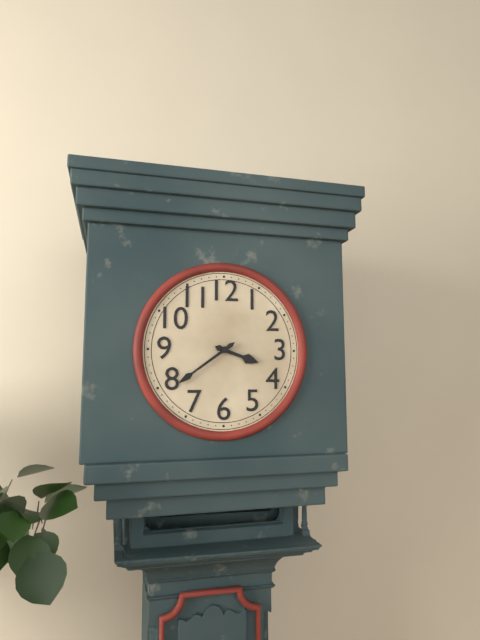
3:39
